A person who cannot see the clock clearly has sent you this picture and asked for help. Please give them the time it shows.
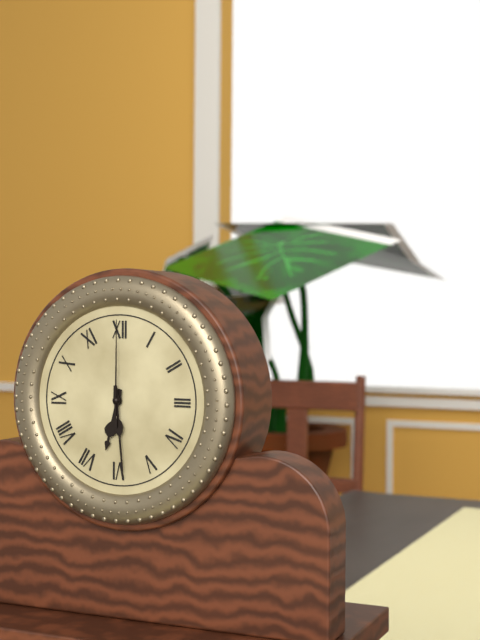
6:29:00
